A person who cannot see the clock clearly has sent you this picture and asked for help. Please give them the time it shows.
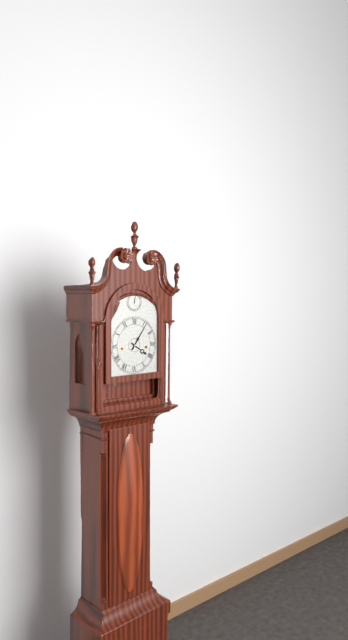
4:06
